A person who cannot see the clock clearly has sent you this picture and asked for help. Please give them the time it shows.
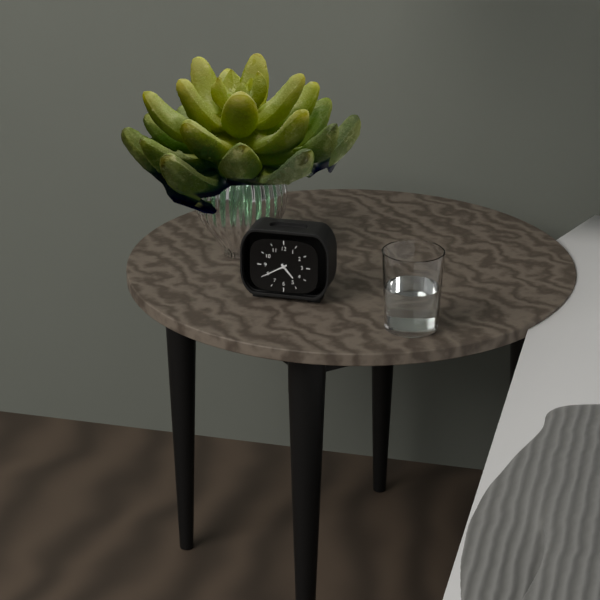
4:40
